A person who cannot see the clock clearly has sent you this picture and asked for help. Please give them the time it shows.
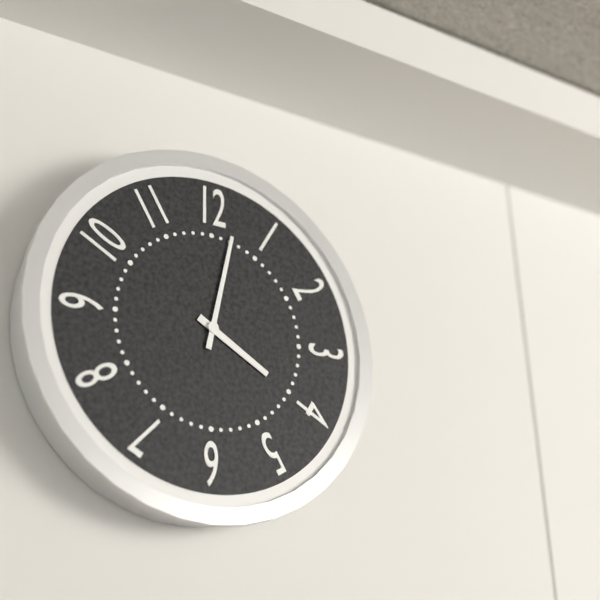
4:02
